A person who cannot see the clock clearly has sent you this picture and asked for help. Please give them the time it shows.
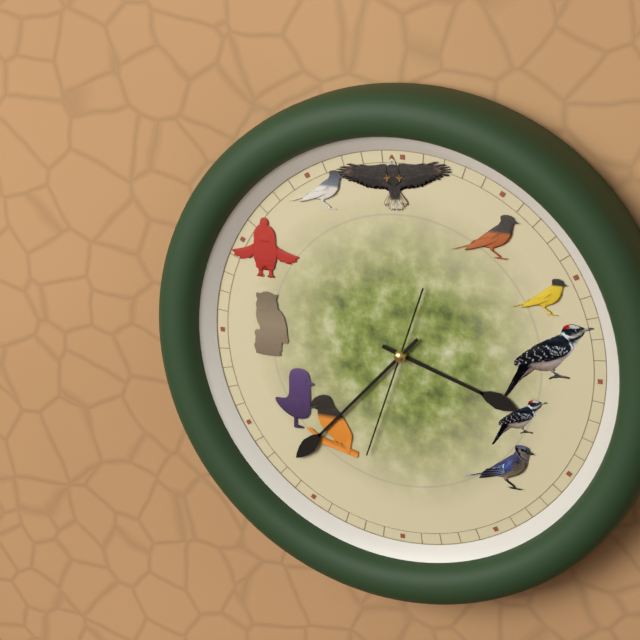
3:37:33
